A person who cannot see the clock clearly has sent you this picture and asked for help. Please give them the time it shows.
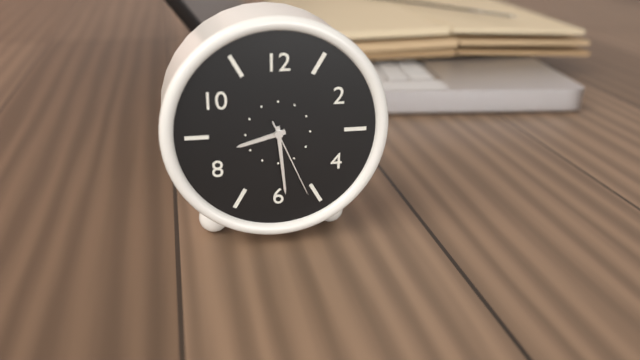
8:29:26
